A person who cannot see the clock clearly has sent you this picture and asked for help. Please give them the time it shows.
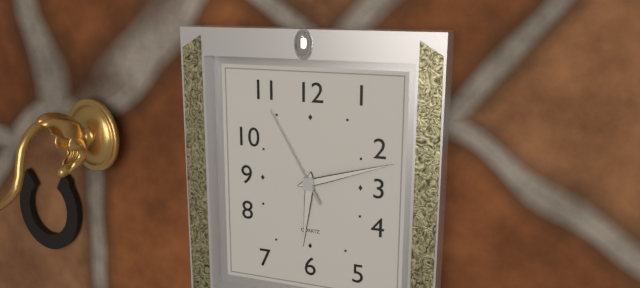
6:12:55
